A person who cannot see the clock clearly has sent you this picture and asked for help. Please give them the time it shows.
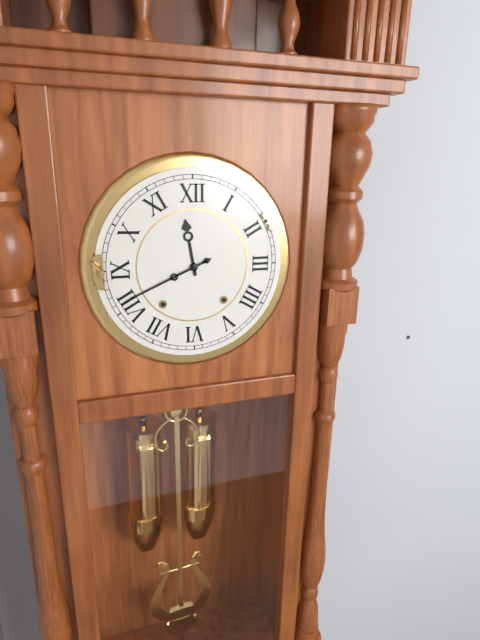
11:41
